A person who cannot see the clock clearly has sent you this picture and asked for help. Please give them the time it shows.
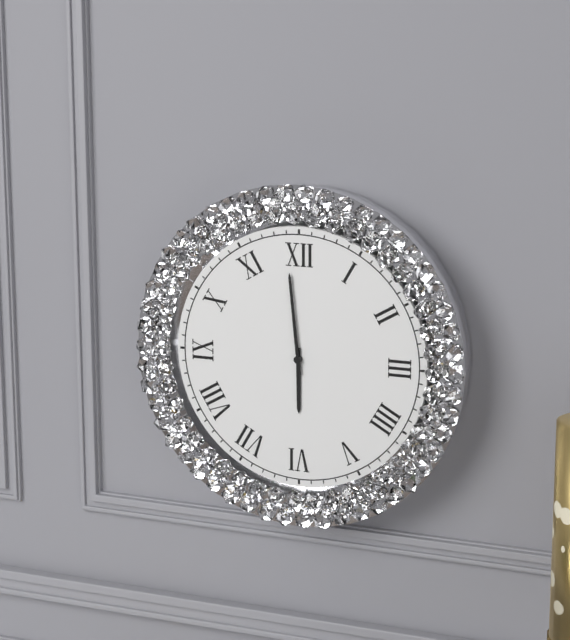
5:59
